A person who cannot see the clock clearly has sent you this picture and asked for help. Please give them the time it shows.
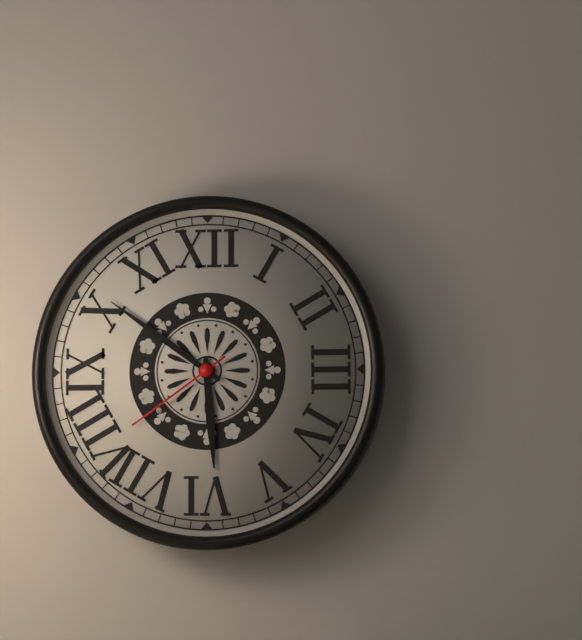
5:51:39
